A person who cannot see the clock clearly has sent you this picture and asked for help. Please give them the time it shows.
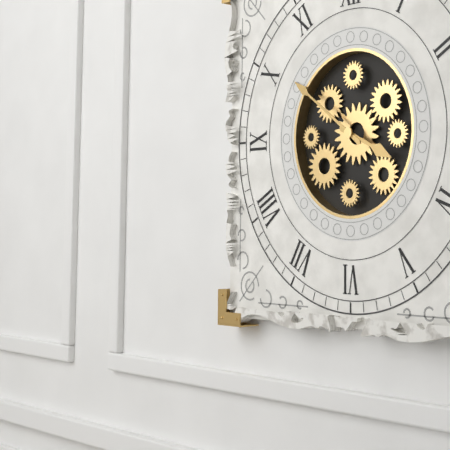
3:51
